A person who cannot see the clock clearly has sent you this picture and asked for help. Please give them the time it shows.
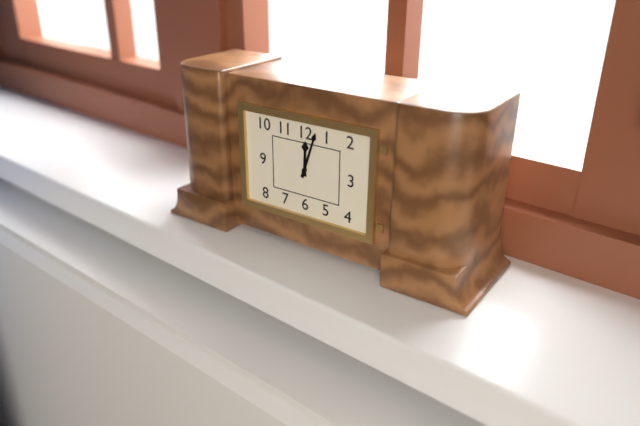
12:03
